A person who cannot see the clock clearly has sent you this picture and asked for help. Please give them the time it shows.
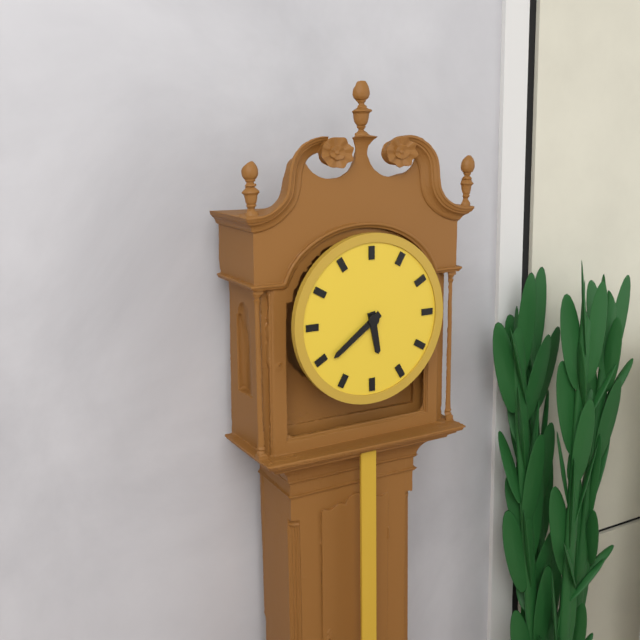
5:39
